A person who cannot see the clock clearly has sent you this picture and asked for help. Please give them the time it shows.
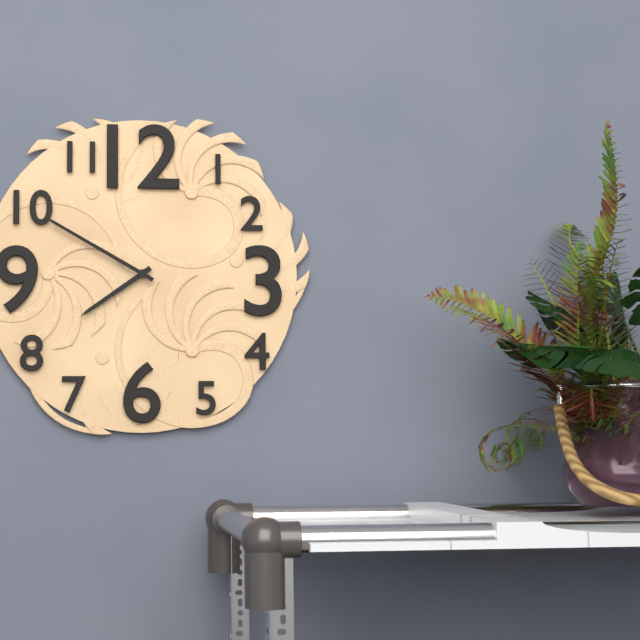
7:50
